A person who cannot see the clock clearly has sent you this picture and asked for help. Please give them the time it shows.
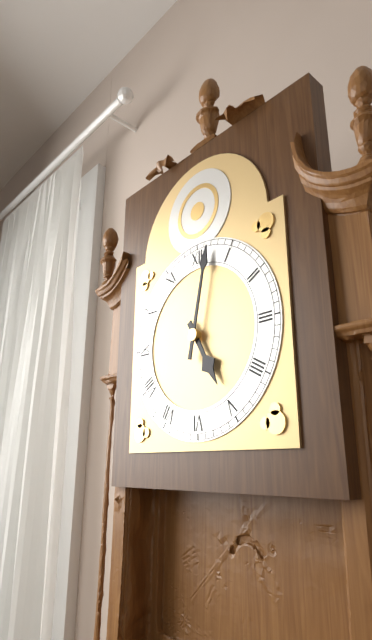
5:02
